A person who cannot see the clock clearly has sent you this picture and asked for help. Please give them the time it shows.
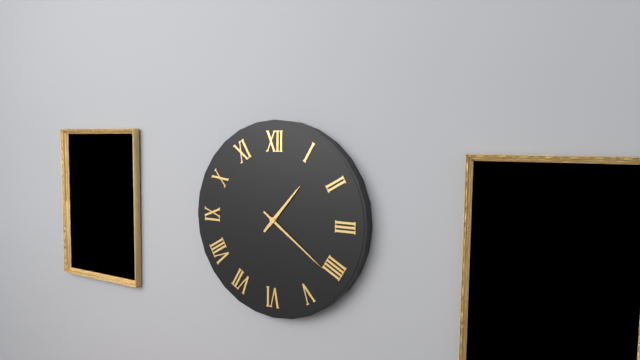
1:21
